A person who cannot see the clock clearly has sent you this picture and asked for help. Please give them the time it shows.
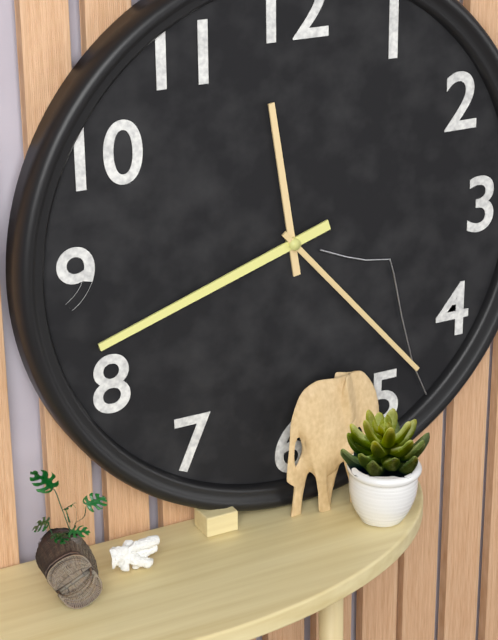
11:42:23
